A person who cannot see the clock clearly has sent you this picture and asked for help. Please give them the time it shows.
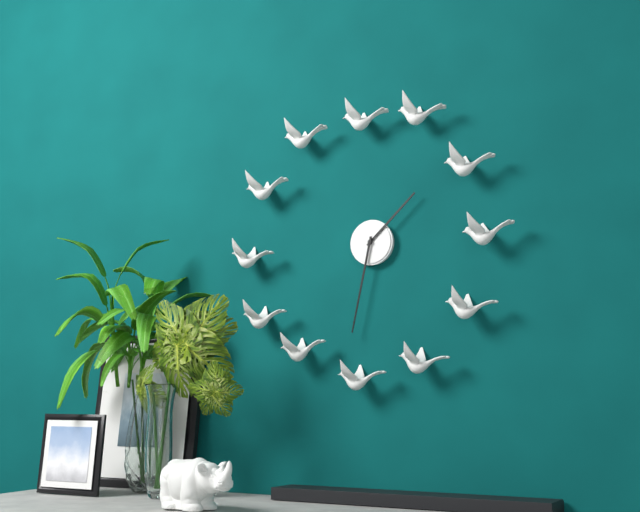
1:32
